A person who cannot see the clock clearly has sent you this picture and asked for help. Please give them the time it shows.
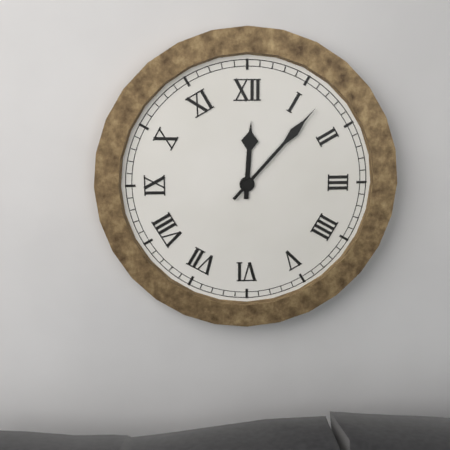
12:07
